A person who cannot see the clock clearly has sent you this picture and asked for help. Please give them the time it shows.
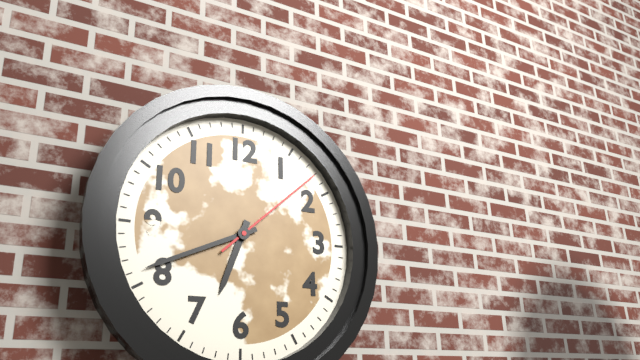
6:41:08
